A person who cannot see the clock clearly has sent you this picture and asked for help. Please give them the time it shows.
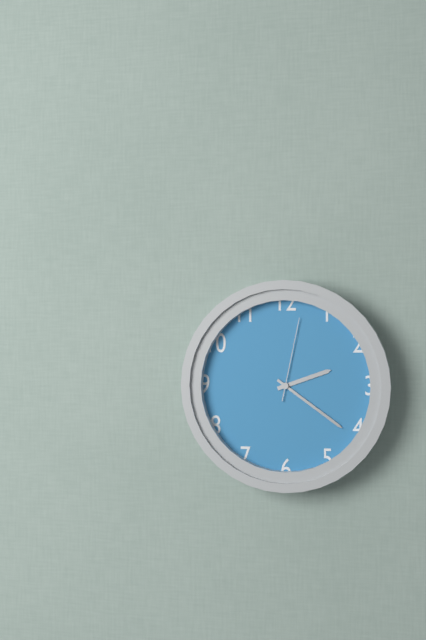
2:21:02
